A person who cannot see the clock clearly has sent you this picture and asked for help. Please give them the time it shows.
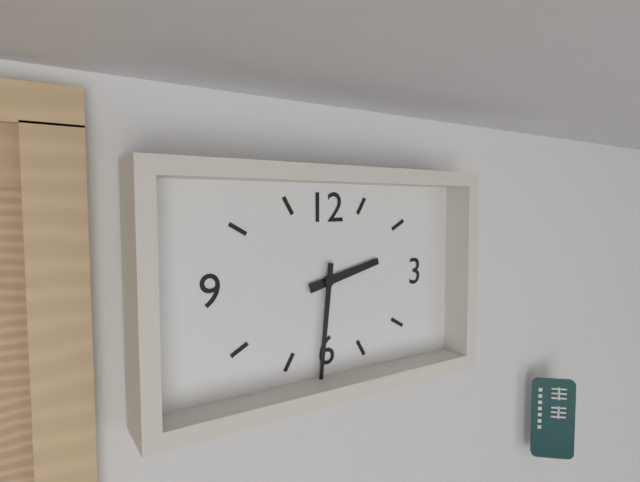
2:31
